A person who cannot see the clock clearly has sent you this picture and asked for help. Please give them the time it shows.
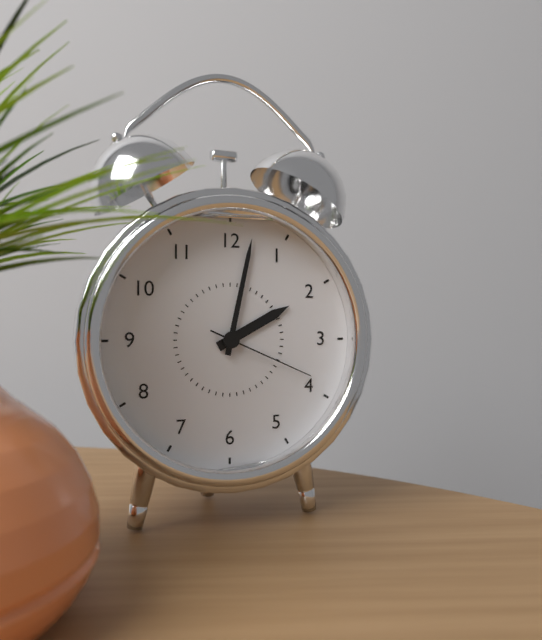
2:02:19
